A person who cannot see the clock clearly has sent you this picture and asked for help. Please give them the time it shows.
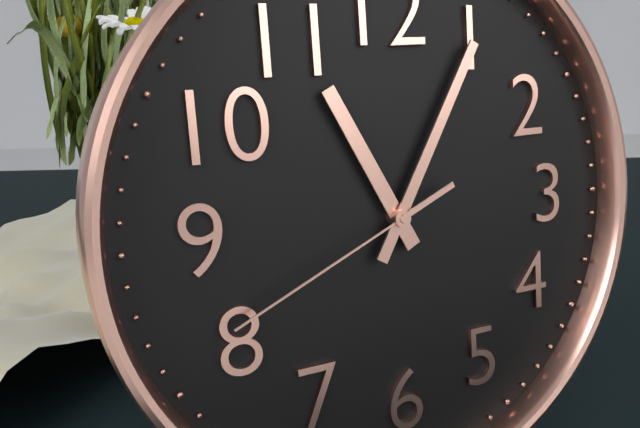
11:05:41
